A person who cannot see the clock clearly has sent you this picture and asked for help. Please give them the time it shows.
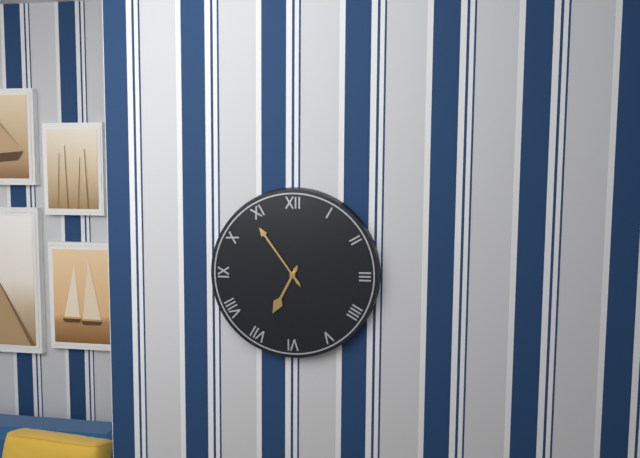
6:54
